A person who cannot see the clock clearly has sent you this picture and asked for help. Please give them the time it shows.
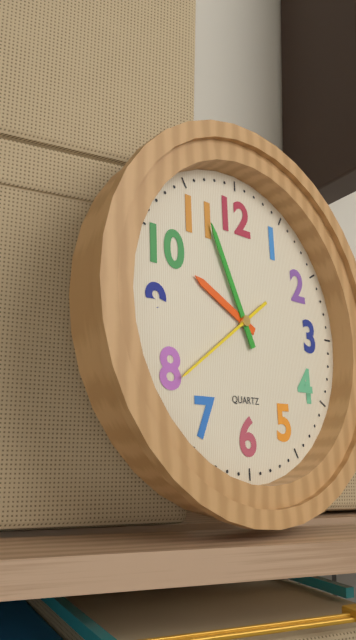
9:56:39
